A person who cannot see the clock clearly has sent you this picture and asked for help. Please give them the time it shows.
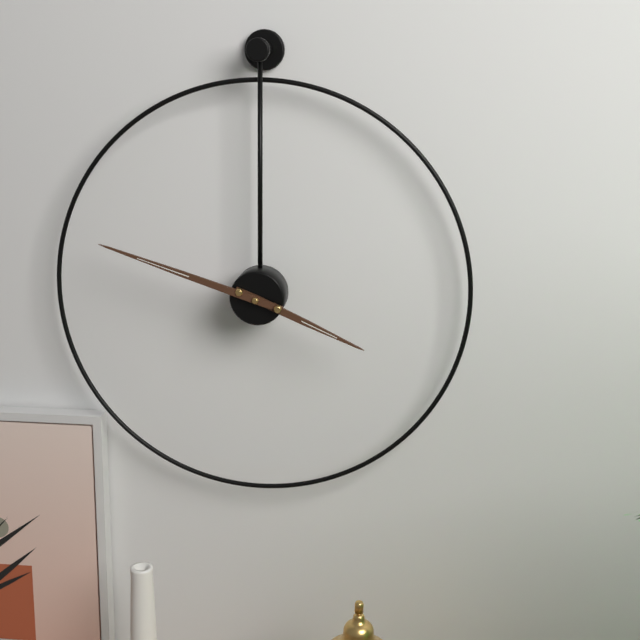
3:48
